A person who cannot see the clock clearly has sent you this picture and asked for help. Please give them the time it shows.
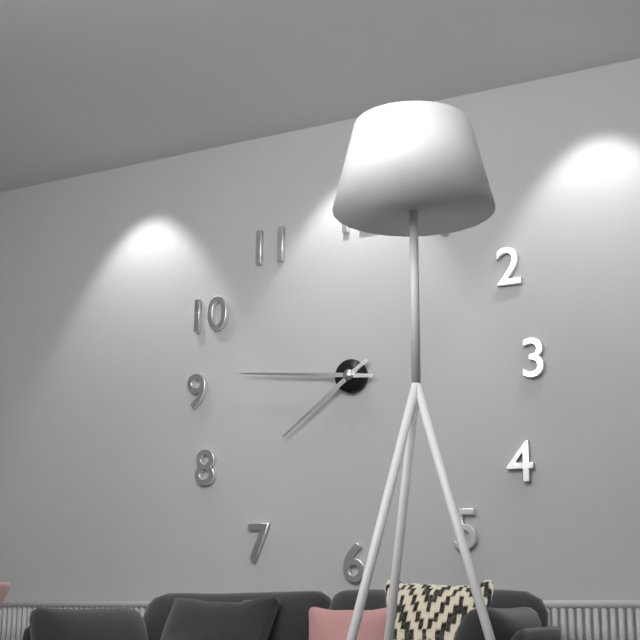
7:46
